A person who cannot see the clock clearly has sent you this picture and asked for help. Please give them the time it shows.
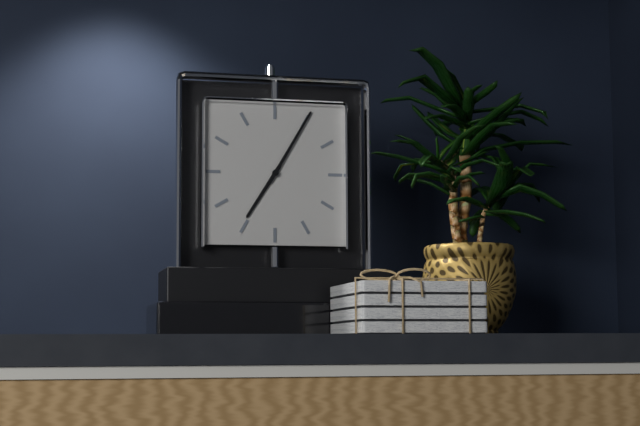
7:05
